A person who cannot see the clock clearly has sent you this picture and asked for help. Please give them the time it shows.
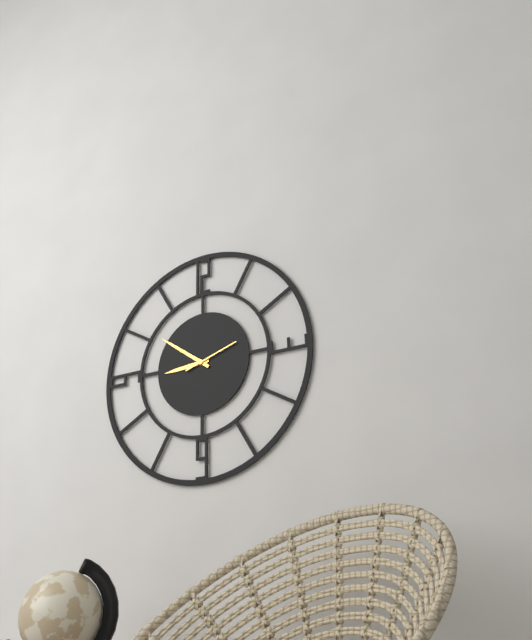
8:51
